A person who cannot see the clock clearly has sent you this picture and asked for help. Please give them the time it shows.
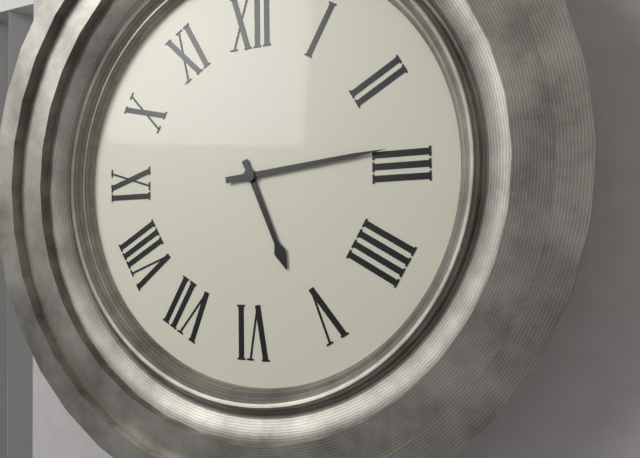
5:14
